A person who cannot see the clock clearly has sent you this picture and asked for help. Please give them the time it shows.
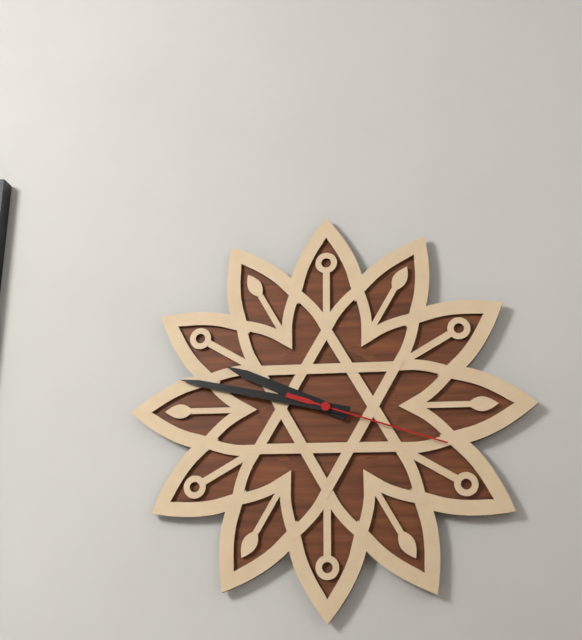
9:47:18
